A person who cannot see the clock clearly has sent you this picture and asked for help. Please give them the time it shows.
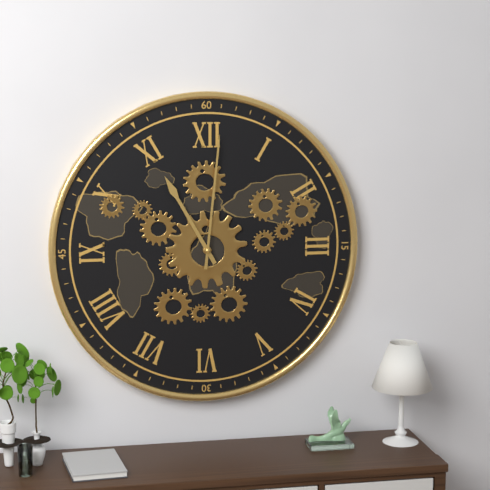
11:01
